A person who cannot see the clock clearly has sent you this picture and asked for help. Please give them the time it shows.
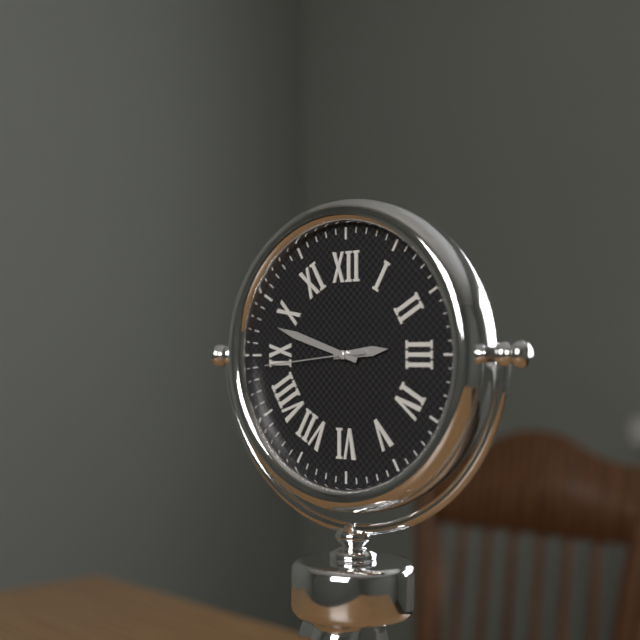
2:48:44
